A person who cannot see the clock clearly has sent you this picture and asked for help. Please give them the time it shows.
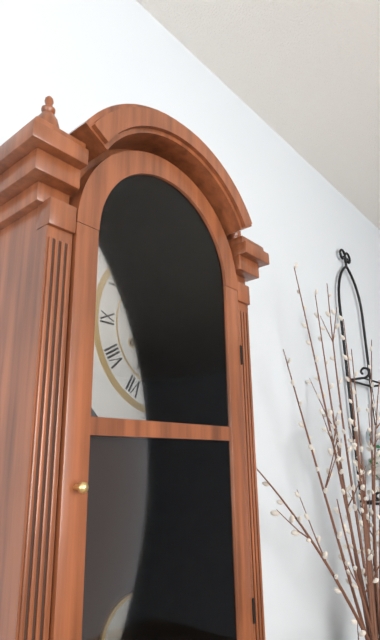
7:13
